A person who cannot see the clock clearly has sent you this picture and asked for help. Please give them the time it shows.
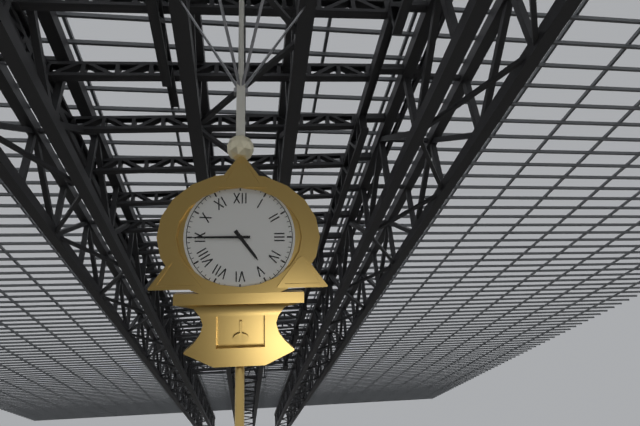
4:45
